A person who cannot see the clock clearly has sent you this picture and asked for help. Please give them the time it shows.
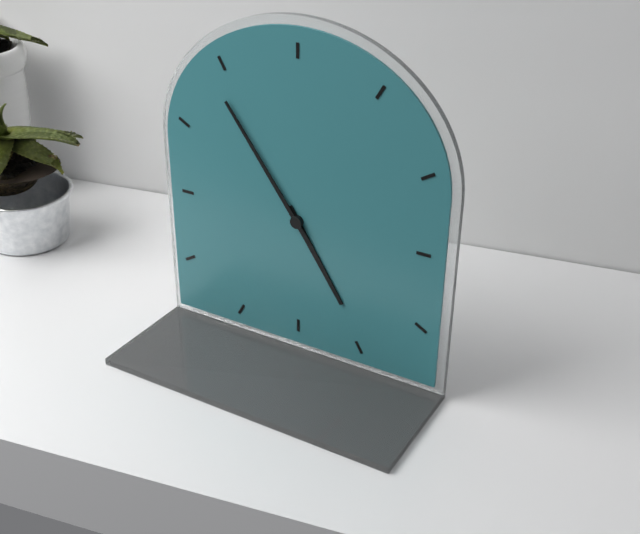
4:54
